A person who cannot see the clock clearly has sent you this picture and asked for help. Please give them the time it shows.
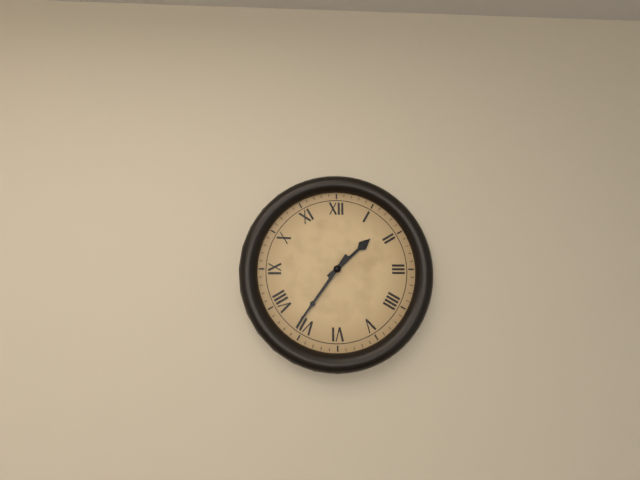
1:36
